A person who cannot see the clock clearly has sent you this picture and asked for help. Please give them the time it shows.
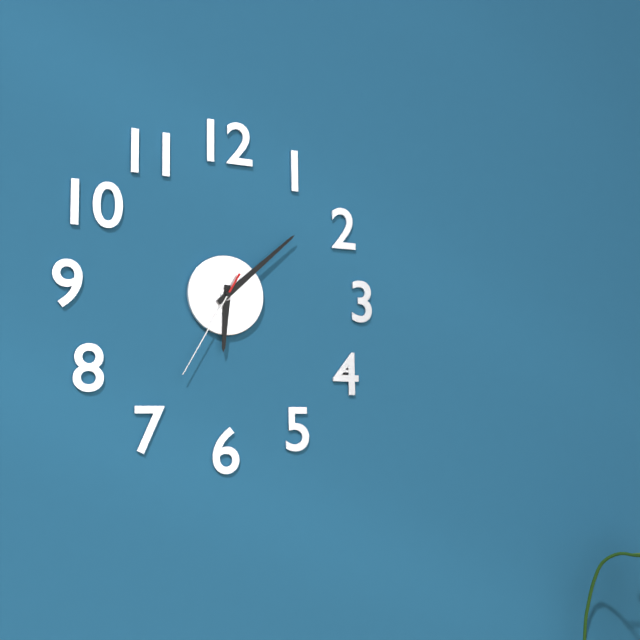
6:08:35
